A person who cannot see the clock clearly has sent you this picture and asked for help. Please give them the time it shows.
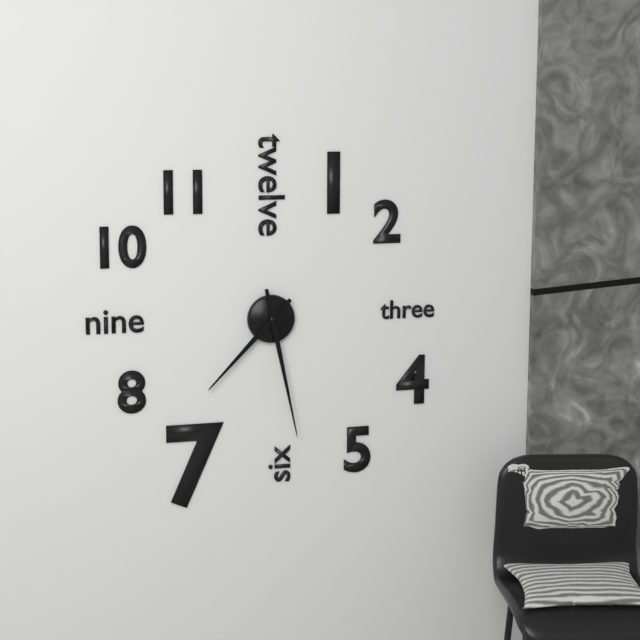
7:28
